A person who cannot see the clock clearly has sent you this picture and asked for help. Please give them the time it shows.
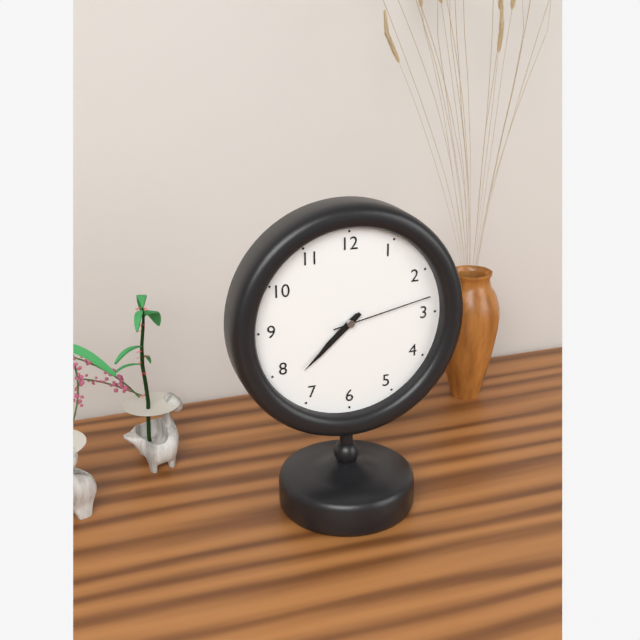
7:38:13
